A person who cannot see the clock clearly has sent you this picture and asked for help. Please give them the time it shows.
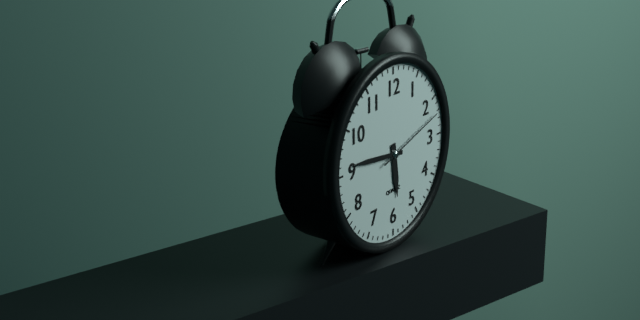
5:46:12
